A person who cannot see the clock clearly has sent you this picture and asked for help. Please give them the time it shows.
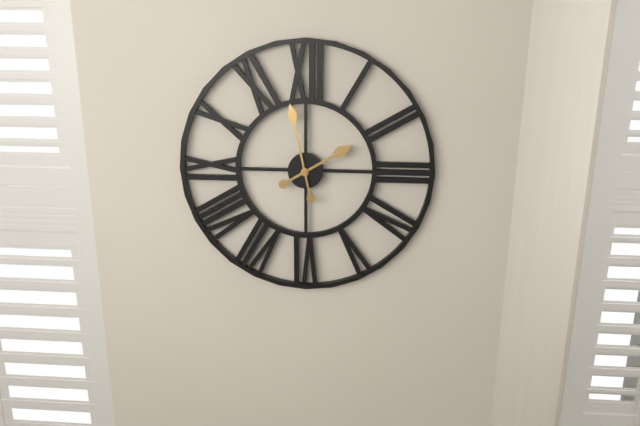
1:58
